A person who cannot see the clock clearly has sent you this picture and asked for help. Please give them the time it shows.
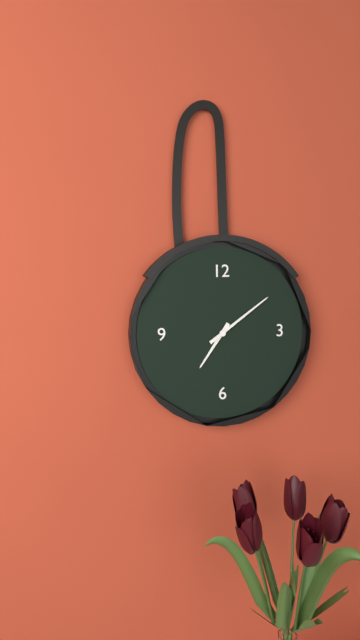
7:09
